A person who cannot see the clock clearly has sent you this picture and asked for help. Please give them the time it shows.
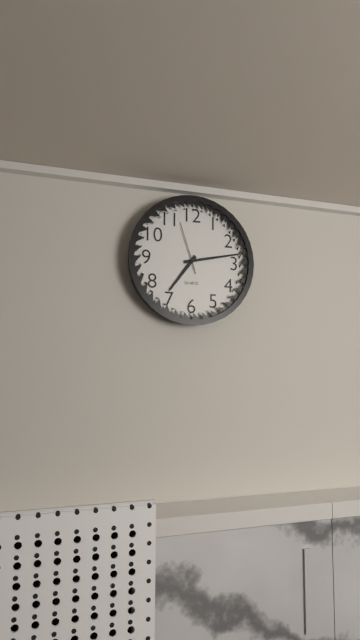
7:13:57
